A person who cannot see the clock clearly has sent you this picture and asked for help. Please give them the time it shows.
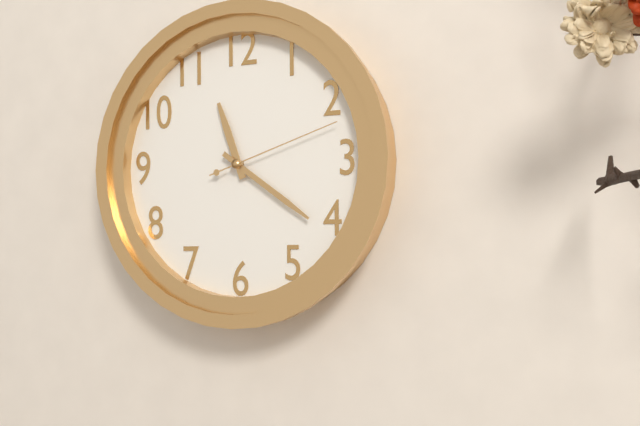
11:21:12
